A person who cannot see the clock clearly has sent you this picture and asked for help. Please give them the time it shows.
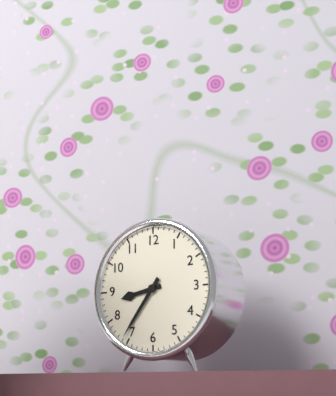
8:36
